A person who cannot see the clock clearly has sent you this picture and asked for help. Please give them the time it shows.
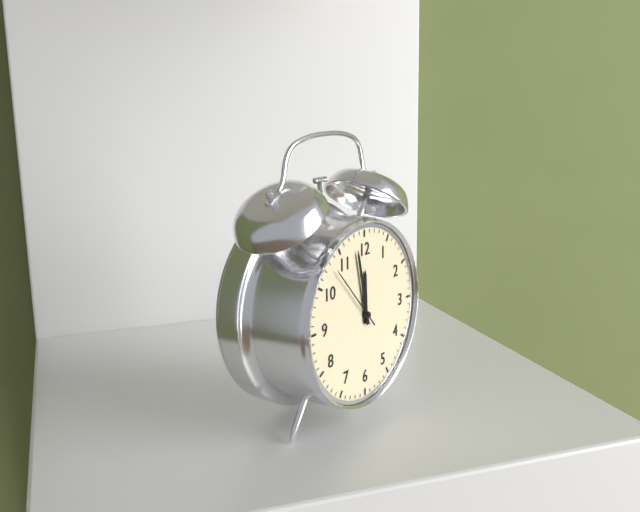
11:58:53
